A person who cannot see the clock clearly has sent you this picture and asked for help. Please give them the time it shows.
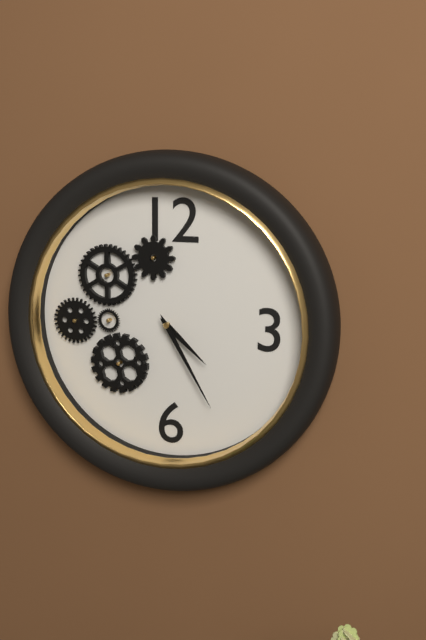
4:25
